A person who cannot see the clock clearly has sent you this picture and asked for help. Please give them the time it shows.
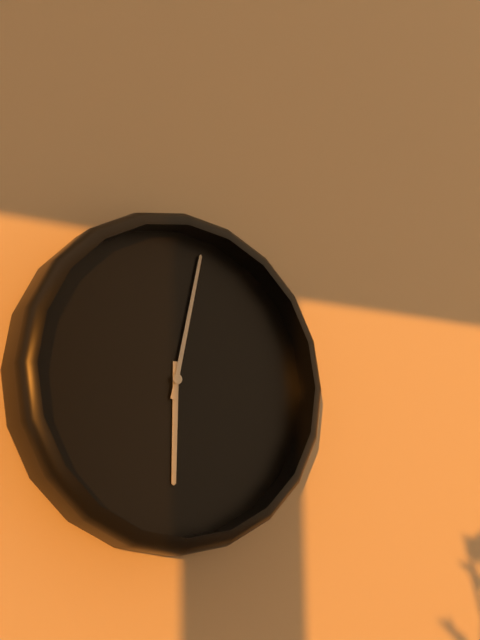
6:02
